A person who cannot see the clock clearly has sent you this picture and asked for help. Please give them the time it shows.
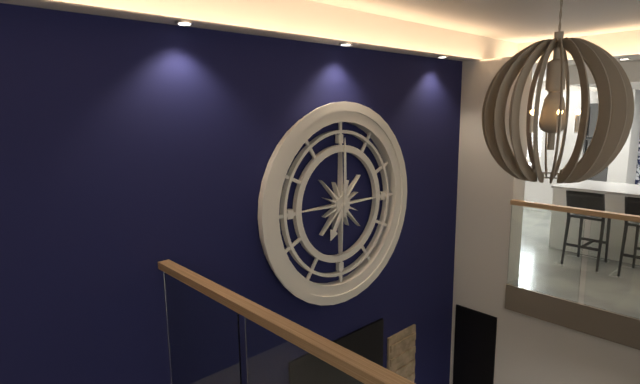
7:00
